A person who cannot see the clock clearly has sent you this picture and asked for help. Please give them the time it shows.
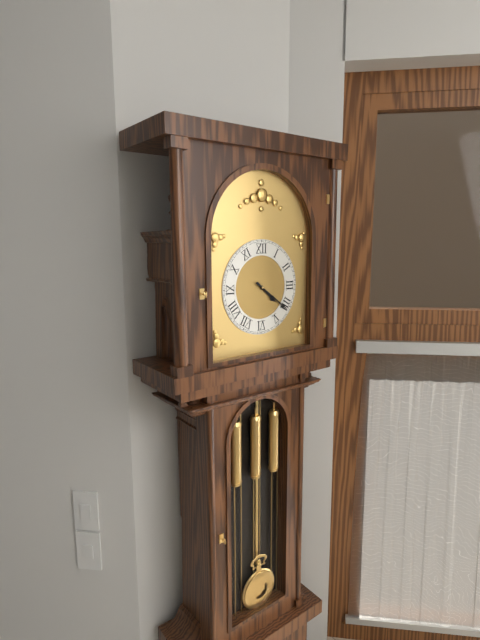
4:21
